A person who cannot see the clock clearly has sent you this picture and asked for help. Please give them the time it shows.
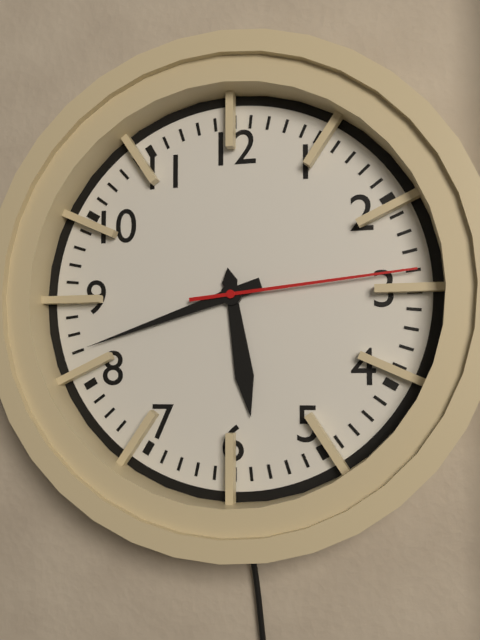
5:42:14
